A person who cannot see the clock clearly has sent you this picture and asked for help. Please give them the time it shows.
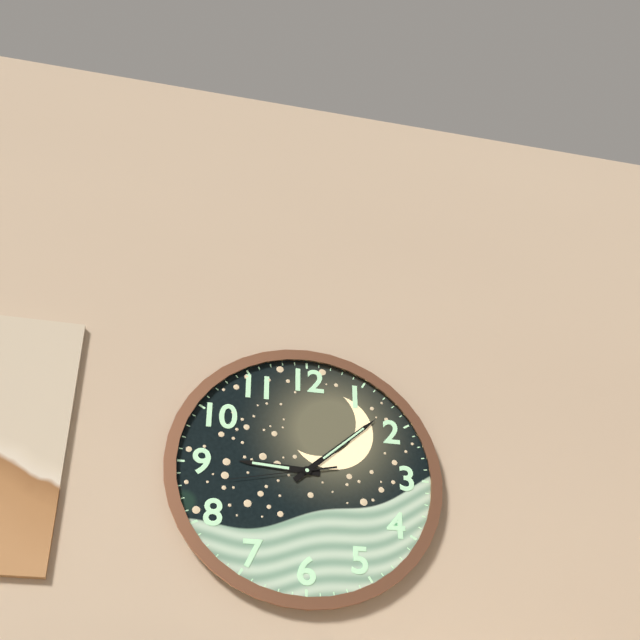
9:08:43
